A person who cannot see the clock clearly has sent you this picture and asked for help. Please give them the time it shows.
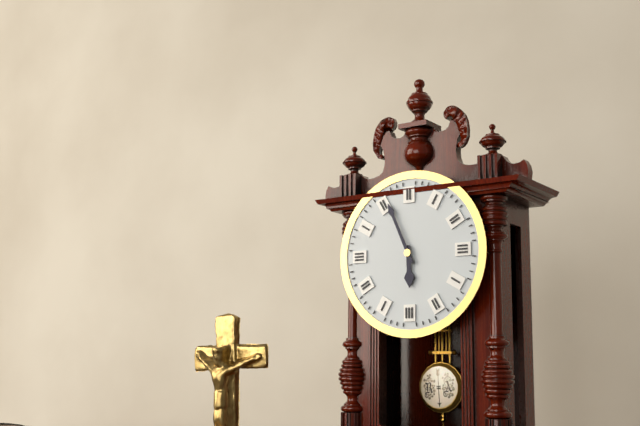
5:56
